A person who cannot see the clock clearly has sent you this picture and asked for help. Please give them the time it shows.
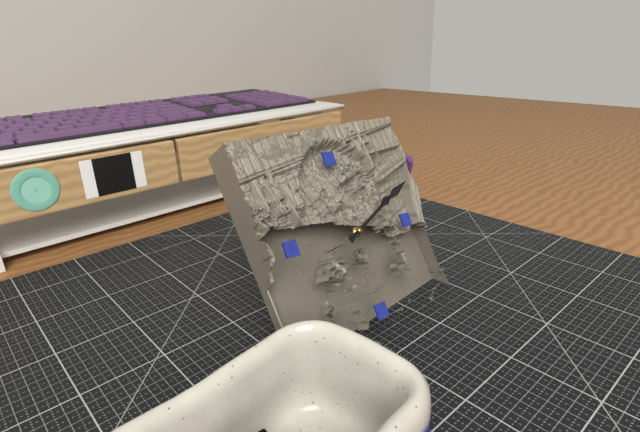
2:11
